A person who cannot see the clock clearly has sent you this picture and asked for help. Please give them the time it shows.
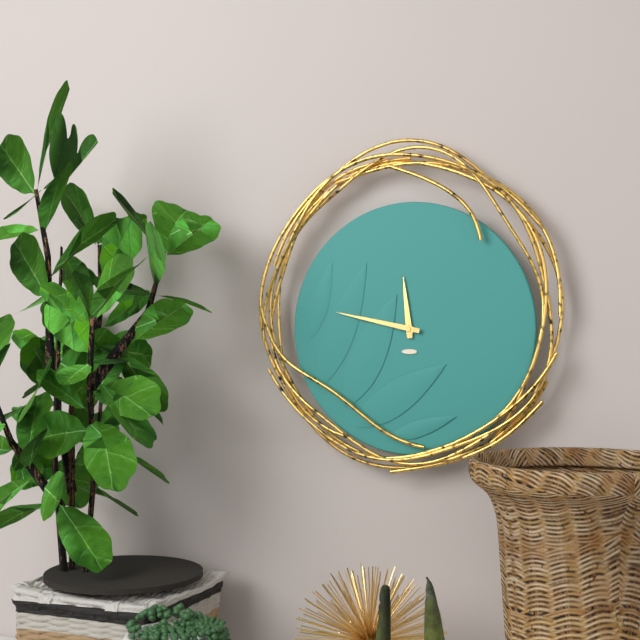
11:47
